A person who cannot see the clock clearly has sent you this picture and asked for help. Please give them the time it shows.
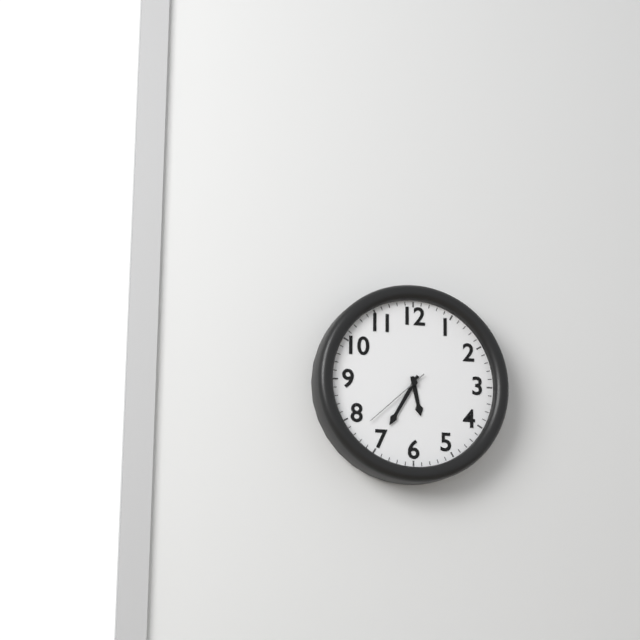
5:35:38
